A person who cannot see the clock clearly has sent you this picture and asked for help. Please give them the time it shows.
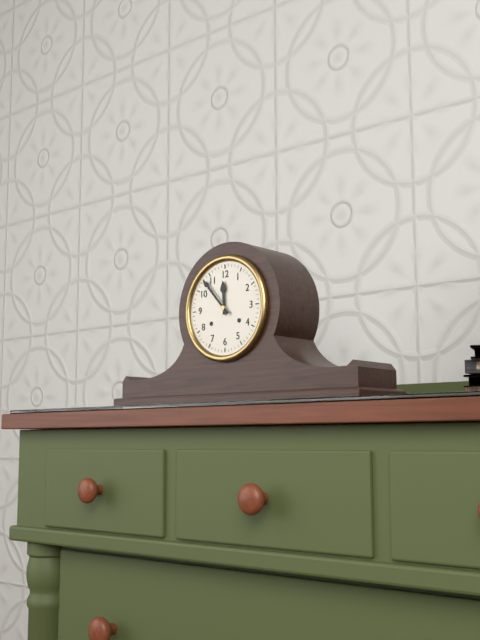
11:53
